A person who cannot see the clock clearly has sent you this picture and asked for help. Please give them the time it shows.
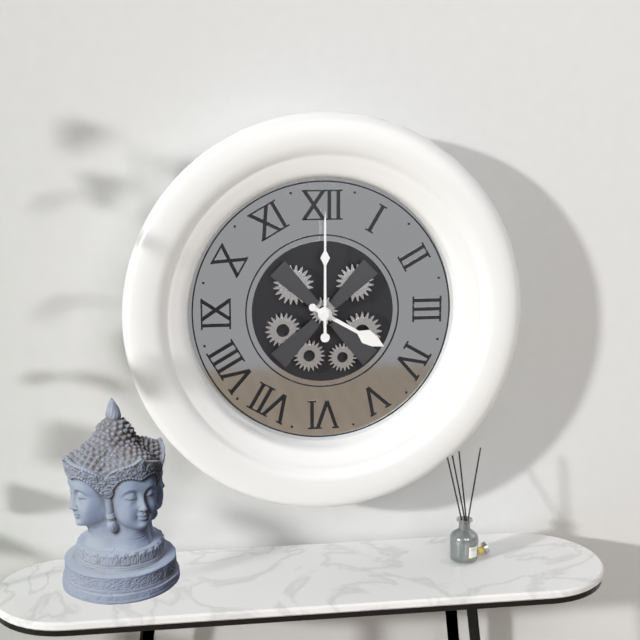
4:00
